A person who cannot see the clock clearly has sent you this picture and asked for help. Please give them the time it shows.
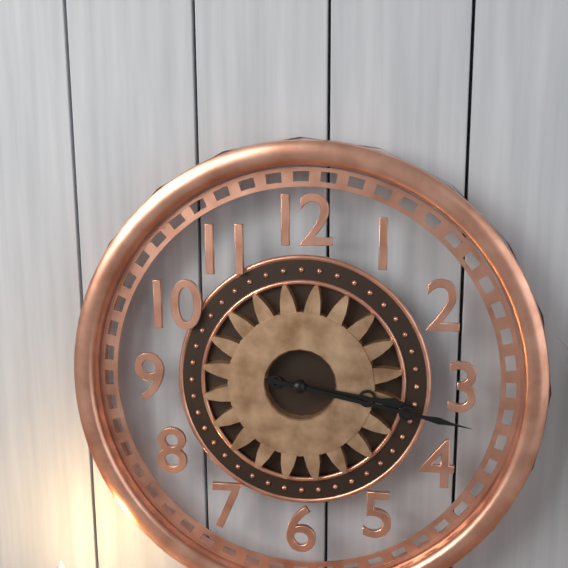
3:17
